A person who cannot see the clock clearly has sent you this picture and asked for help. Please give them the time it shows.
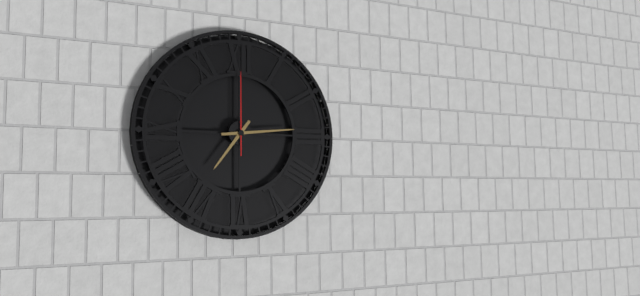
7:14:00
